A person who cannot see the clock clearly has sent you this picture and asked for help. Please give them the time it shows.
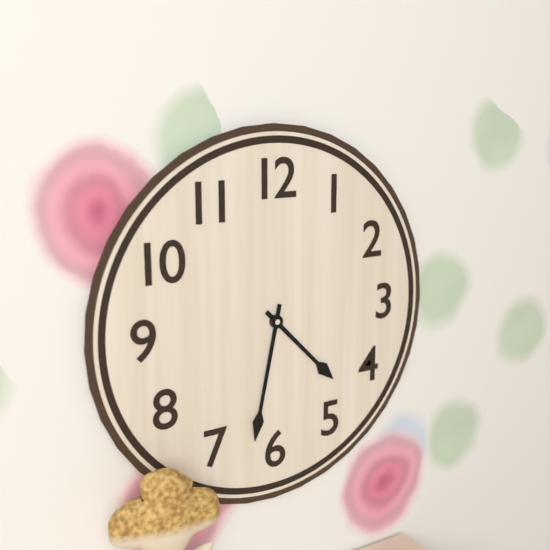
4:32
